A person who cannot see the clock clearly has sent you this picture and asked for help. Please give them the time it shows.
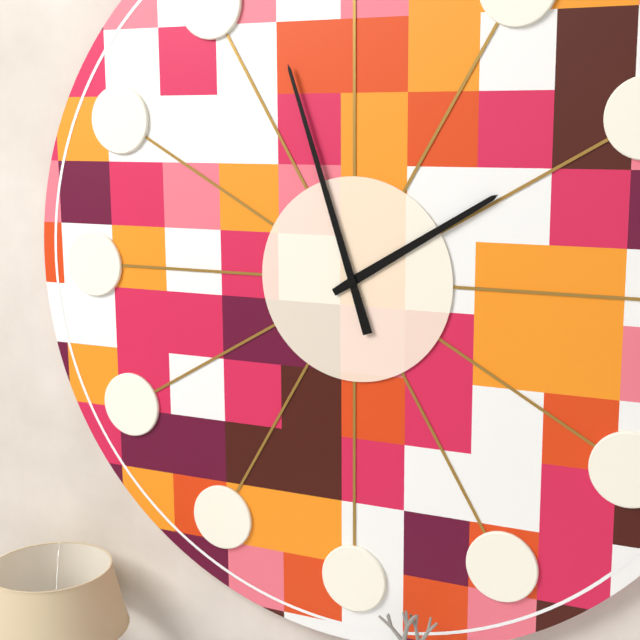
1:57
